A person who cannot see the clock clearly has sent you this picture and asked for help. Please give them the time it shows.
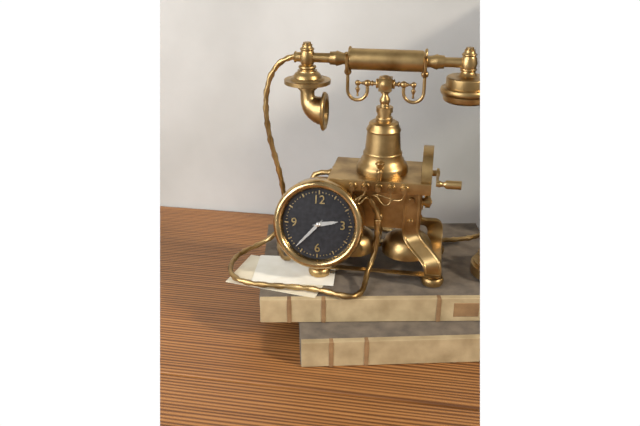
2:37
